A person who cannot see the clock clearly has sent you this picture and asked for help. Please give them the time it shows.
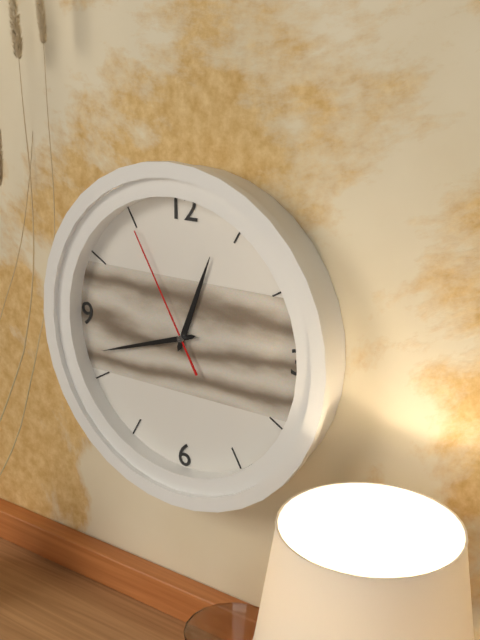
12:42:55
